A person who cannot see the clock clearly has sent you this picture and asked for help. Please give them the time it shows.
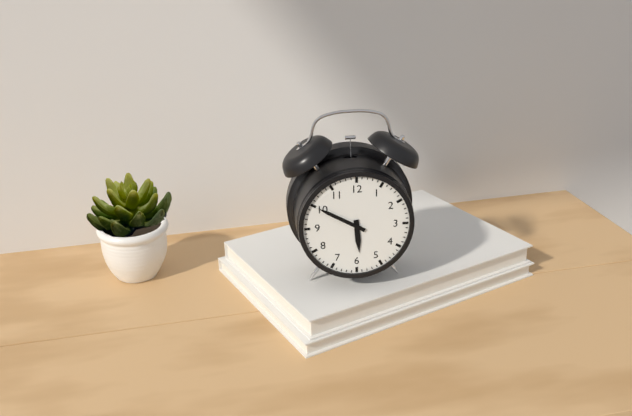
5:50
